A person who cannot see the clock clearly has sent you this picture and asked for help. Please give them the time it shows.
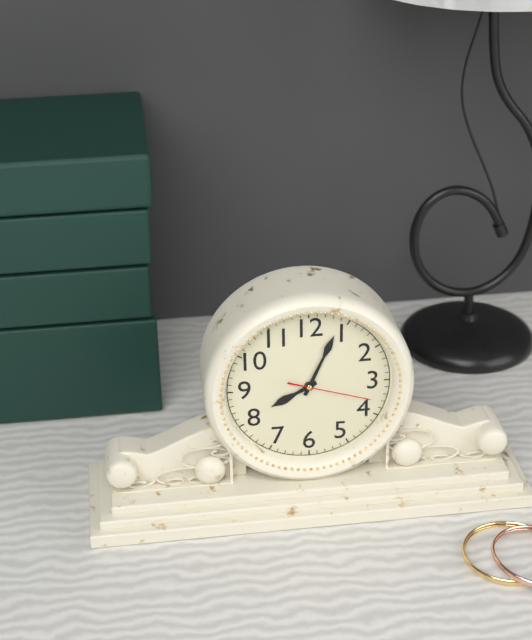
8:04:18
